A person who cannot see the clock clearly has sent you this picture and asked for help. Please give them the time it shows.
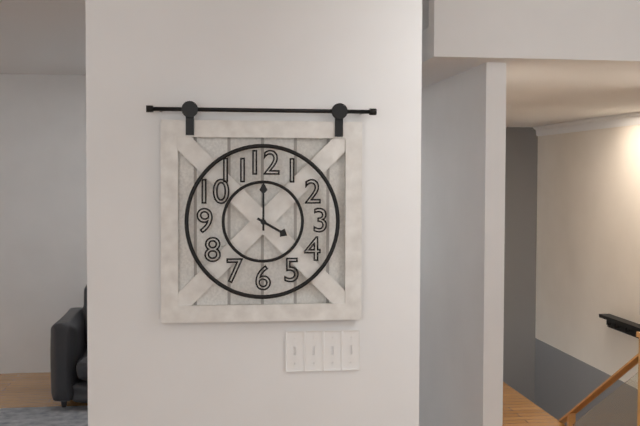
4:00
